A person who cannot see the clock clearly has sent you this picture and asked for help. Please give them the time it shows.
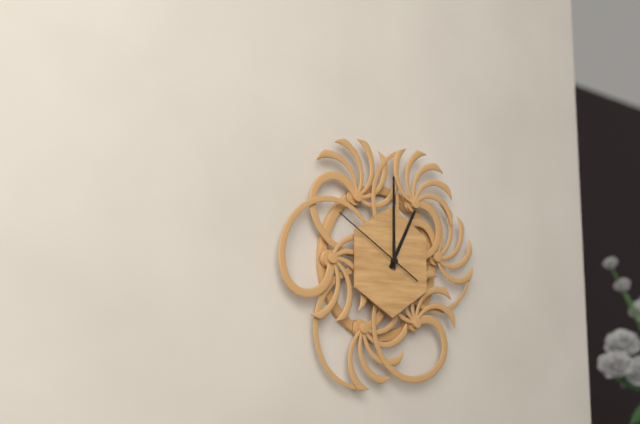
1:00:50
